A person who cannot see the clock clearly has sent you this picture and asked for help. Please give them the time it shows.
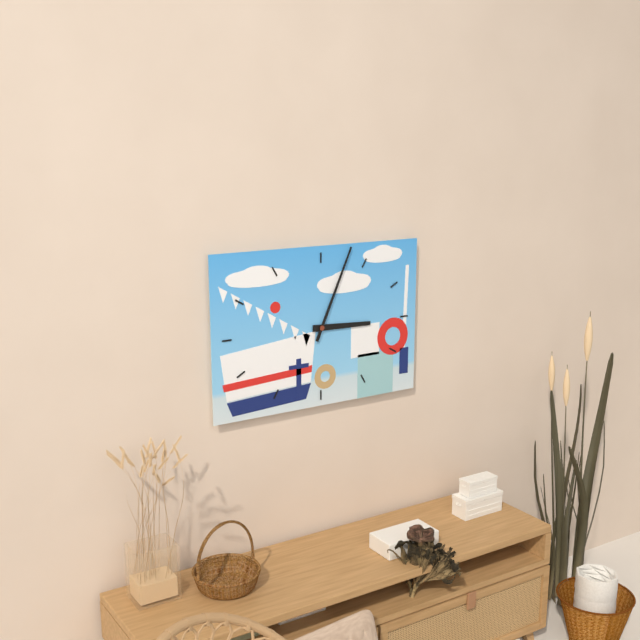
3:04
